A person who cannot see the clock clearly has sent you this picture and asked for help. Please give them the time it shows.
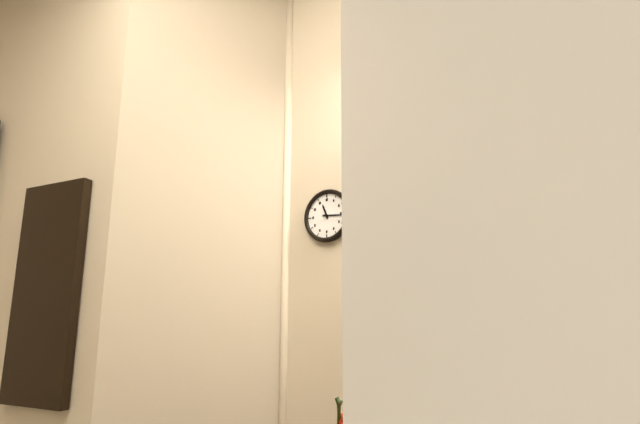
11:16
